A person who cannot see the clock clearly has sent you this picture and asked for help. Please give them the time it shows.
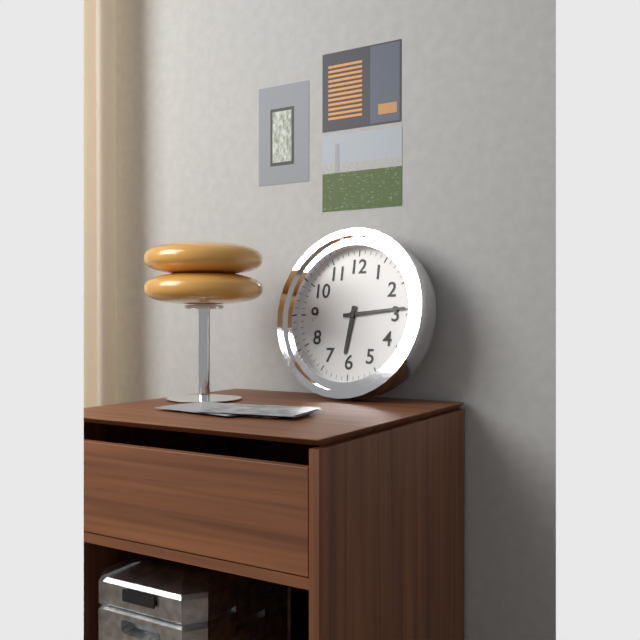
6:14
